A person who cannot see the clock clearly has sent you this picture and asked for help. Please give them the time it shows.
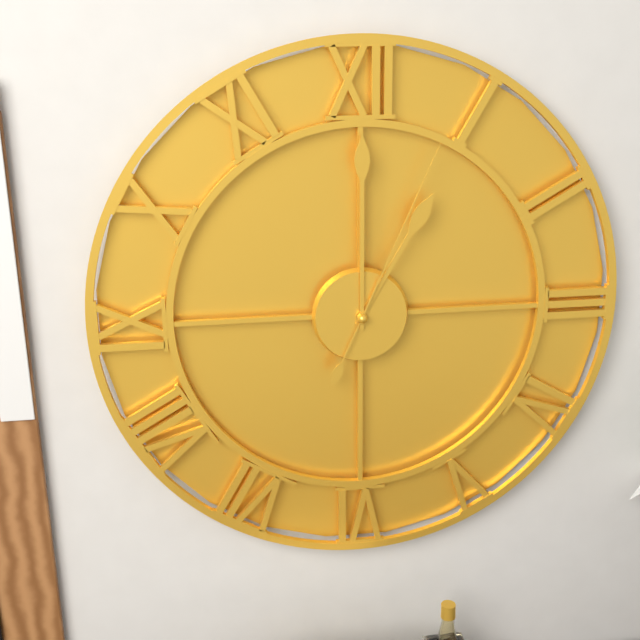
1:00:04
